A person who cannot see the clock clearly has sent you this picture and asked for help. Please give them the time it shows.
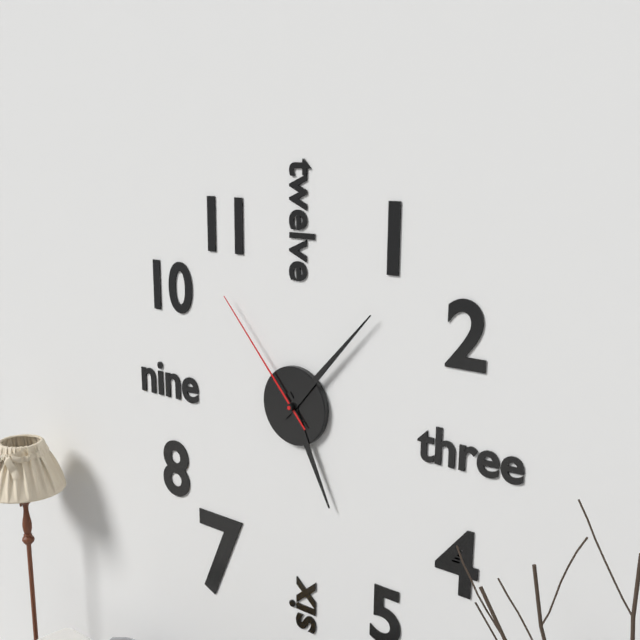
5:07:53
